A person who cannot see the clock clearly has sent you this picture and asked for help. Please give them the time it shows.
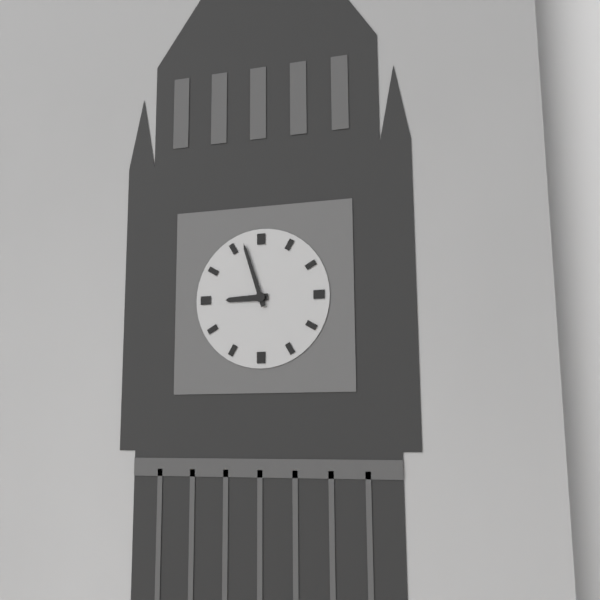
8:57
